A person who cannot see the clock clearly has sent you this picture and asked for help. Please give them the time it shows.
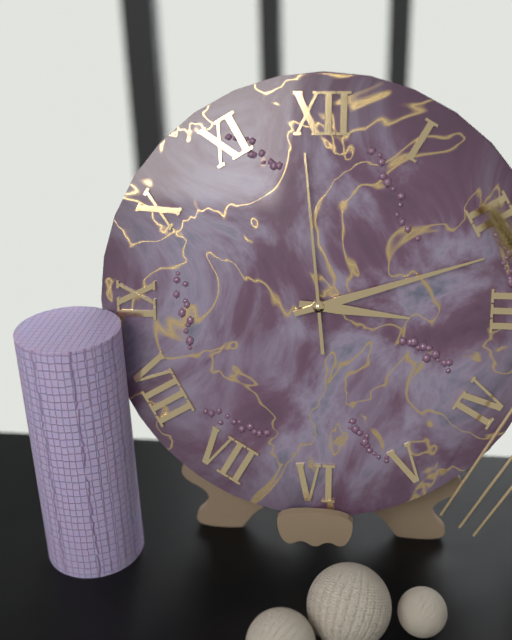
3:12:59
